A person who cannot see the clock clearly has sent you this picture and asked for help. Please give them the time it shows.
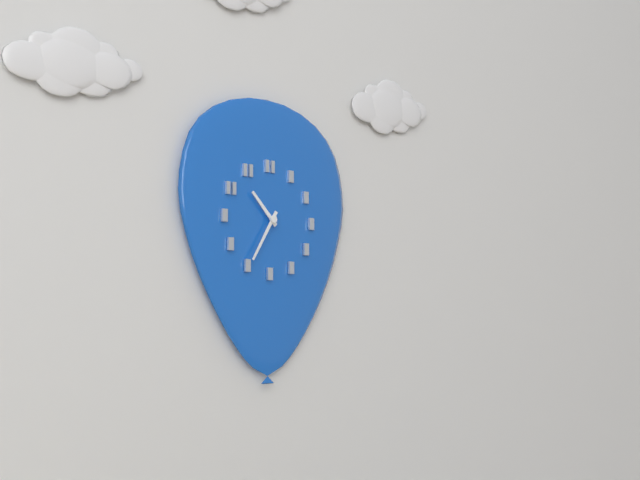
10:35
